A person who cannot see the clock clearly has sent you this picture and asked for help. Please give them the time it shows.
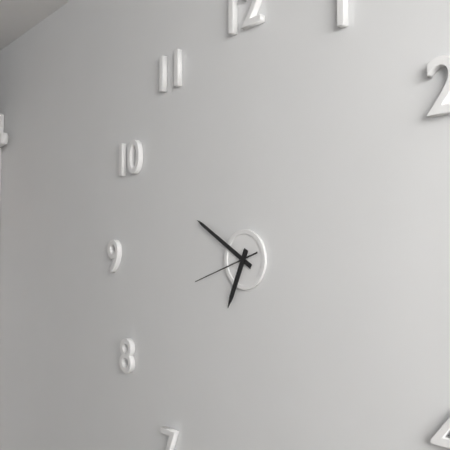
6:50:42
